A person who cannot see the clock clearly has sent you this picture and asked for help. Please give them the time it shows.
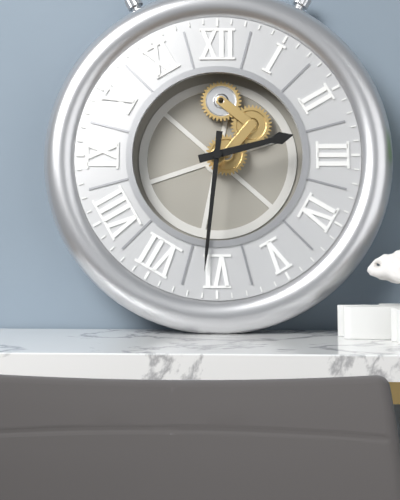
2:31
